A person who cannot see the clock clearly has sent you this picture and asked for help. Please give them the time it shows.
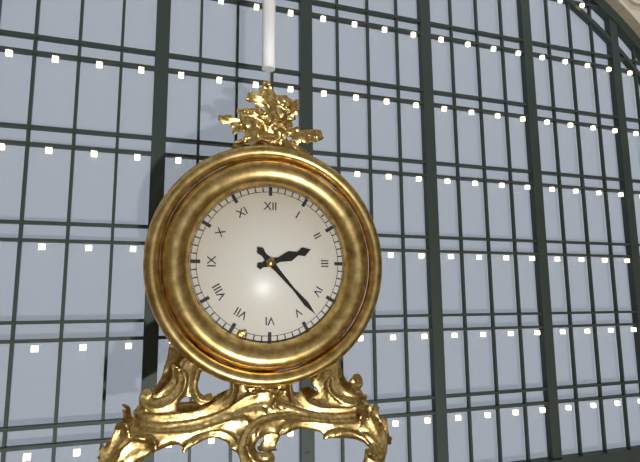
2:23
